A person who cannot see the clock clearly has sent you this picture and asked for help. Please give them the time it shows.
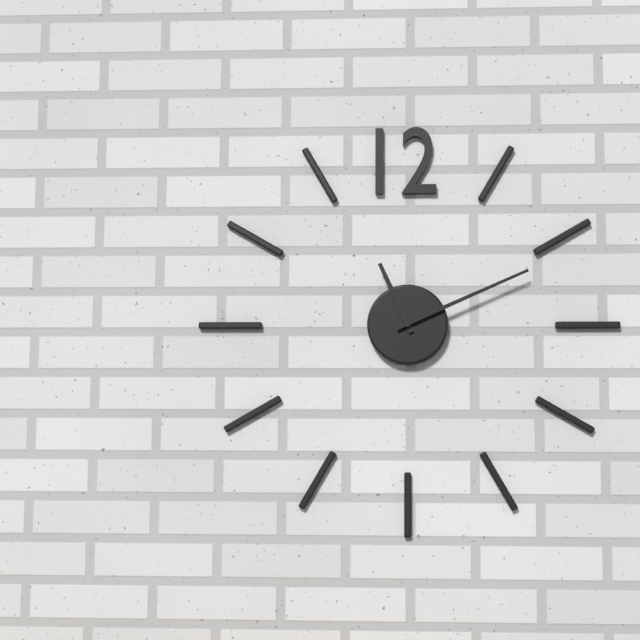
11:11
